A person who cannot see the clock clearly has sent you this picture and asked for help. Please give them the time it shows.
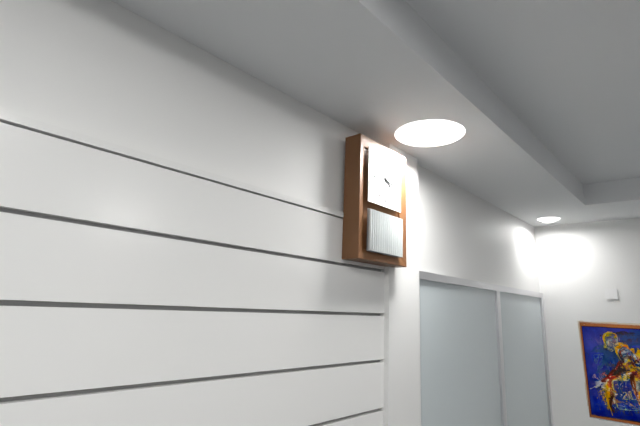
3:22
